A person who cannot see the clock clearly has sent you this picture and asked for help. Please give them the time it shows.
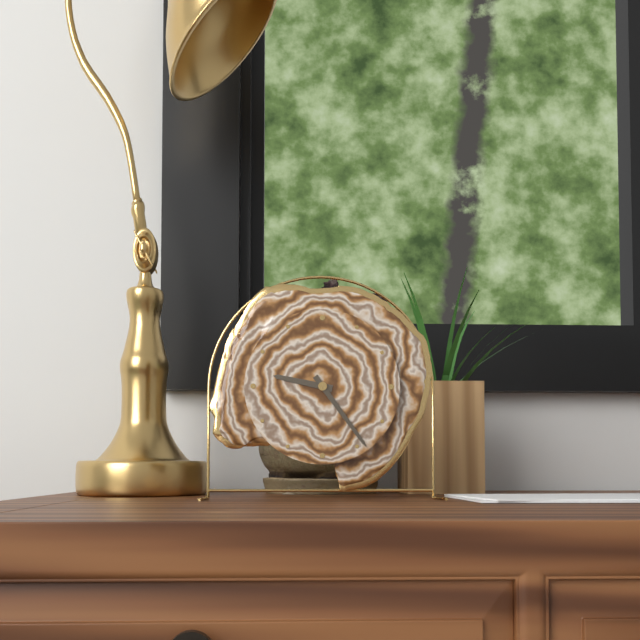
9:24
